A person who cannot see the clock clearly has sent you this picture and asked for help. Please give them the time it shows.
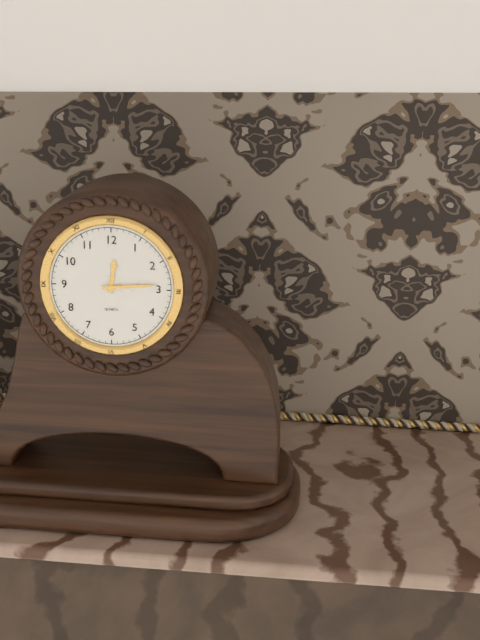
12:14
